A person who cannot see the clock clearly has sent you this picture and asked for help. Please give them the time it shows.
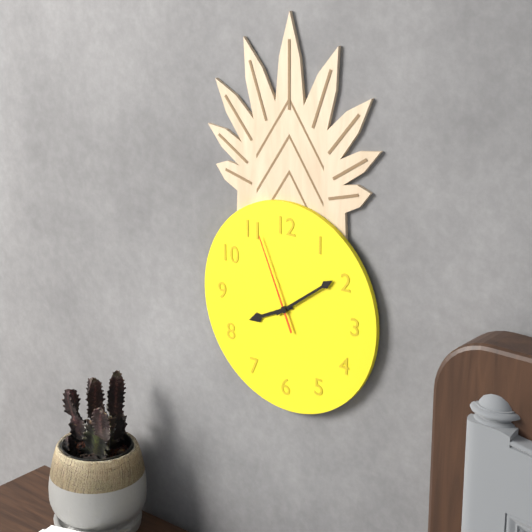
8:09:56
